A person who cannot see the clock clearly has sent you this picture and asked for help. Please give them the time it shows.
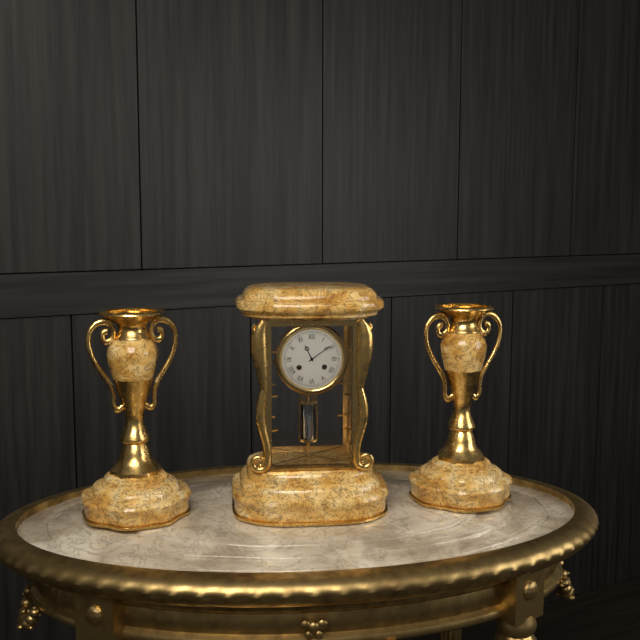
11:09
